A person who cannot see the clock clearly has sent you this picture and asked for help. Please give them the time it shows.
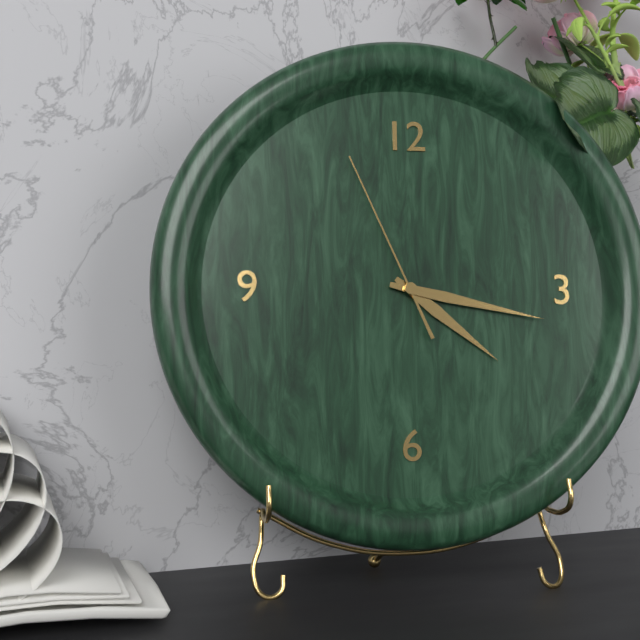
4:17:56
